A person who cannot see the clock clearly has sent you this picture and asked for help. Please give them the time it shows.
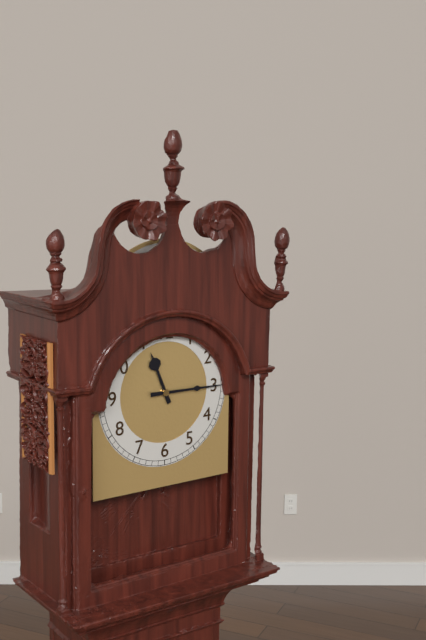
11:15
